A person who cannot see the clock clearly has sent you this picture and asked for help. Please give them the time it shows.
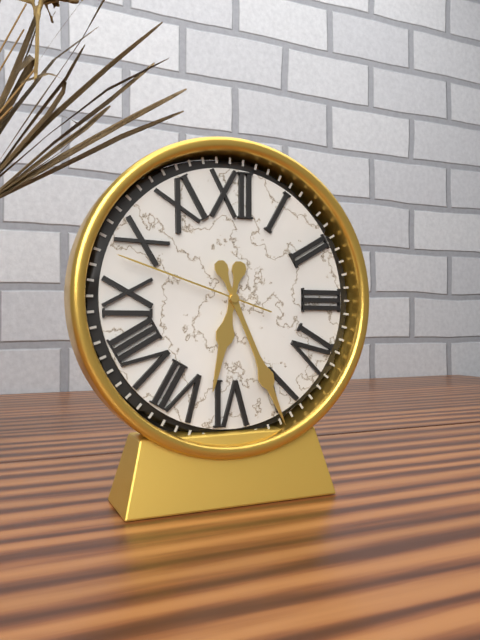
6:26:48
